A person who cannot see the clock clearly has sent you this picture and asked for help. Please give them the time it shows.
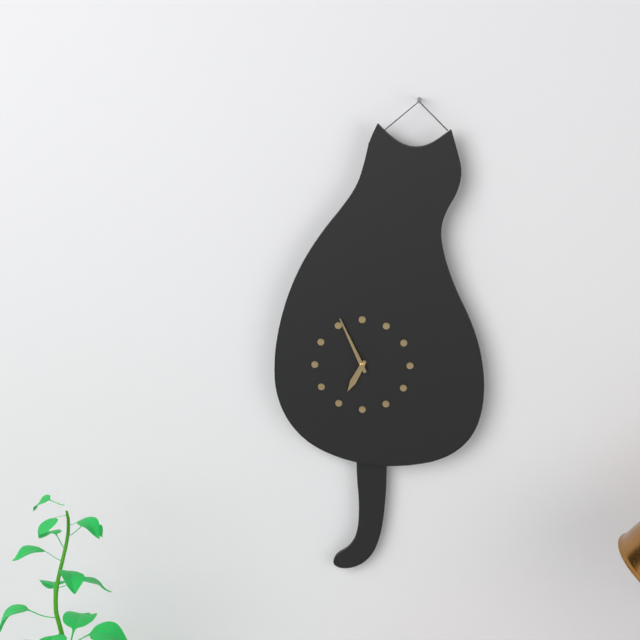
6:56
